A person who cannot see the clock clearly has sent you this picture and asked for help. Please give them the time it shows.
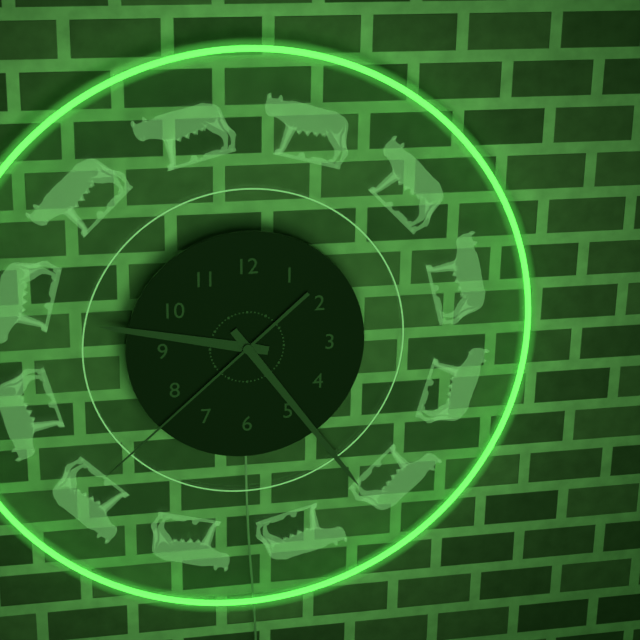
9:24:38
